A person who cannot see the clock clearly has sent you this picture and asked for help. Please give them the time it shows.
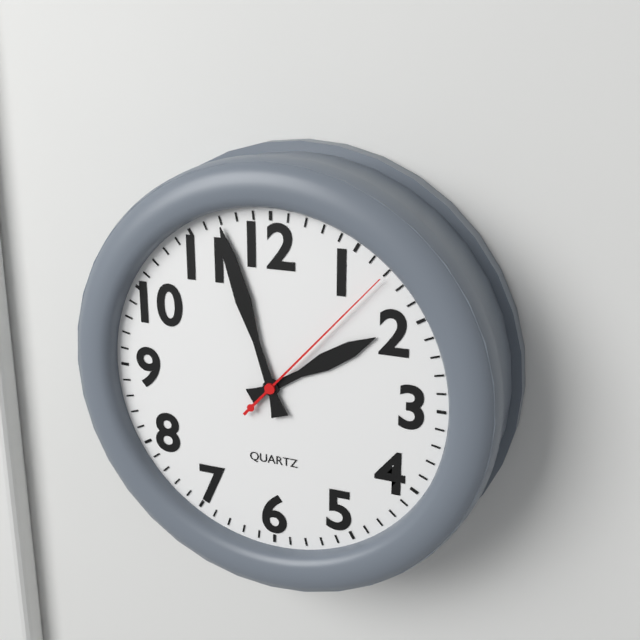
1:57:07
